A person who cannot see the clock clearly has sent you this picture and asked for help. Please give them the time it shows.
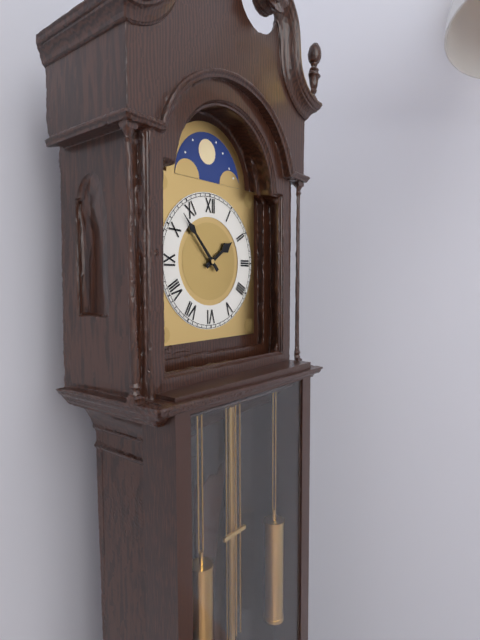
1:53
